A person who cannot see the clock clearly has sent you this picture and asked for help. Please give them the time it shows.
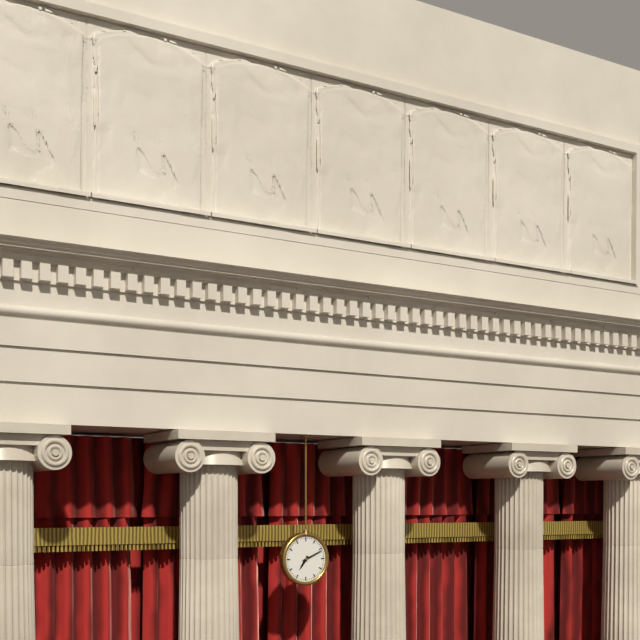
7:11
